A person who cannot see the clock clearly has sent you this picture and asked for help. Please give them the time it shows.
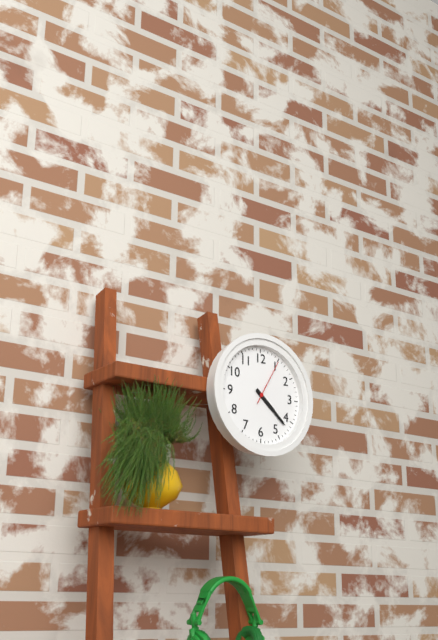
4:22
